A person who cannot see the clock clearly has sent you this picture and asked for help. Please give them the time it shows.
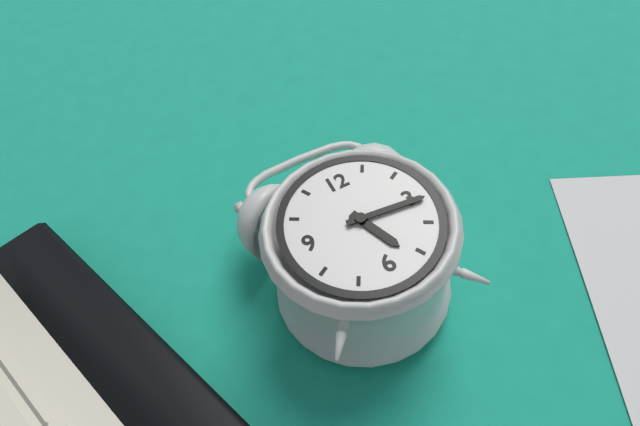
5:16
